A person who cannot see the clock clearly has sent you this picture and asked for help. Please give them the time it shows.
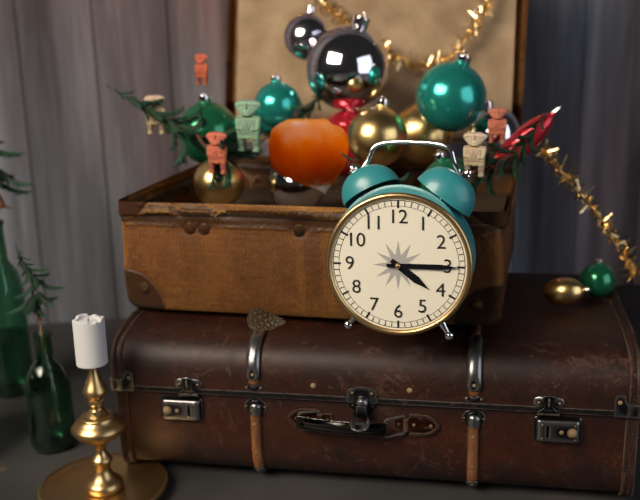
4:15
